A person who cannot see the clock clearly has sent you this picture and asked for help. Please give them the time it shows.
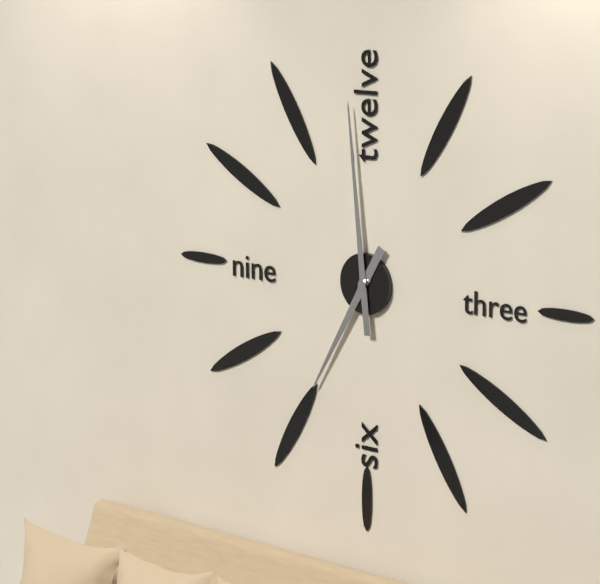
6:59
